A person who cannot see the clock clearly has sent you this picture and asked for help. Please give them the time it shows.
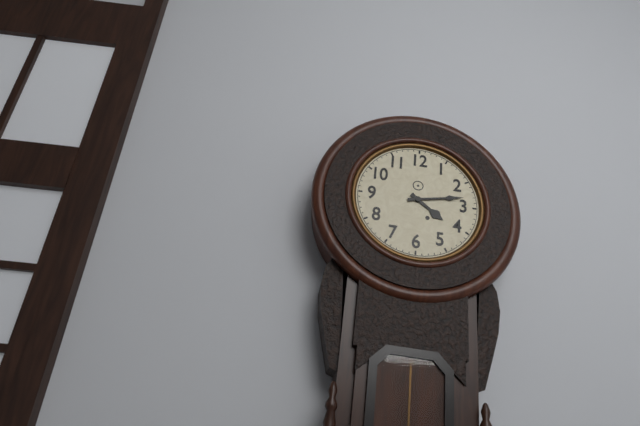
4:13
